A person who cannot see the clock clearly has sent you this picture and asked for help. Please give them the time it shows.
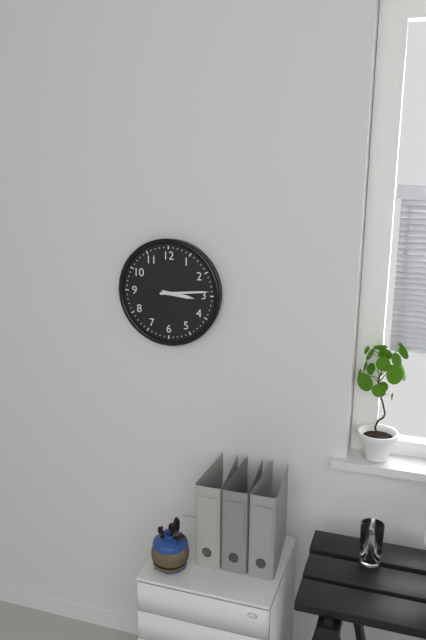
3:14
